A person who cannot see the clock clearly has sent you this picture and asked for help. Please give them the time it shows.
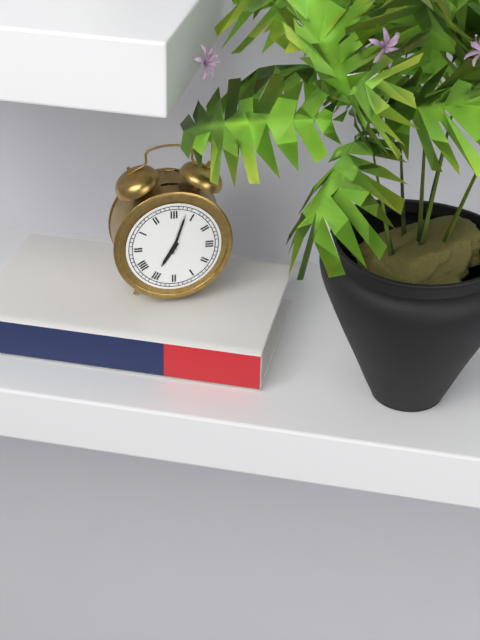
7:03
